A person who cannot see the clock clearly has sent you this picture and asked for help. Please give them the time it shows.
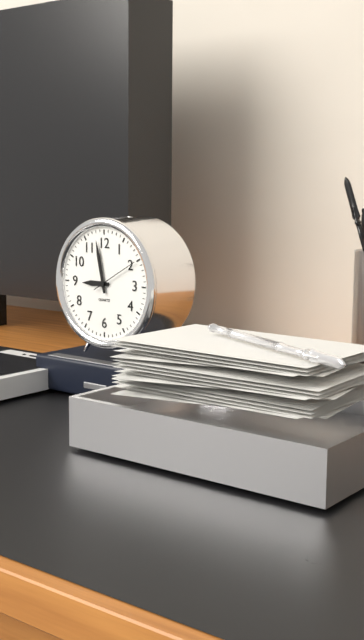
8:58
